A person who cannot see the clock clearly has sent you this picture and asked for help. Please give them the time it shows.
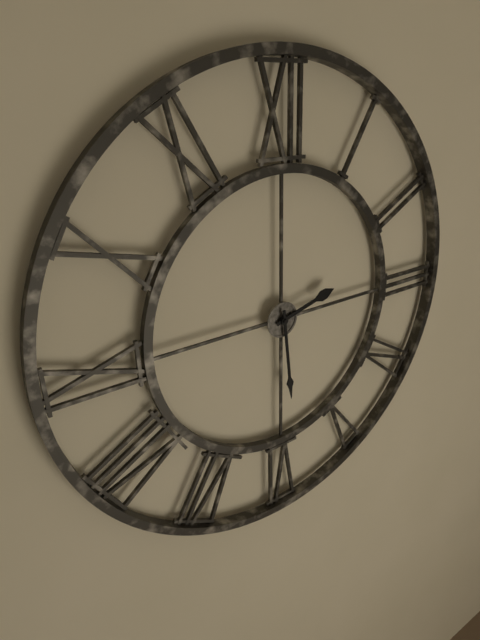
2:29
